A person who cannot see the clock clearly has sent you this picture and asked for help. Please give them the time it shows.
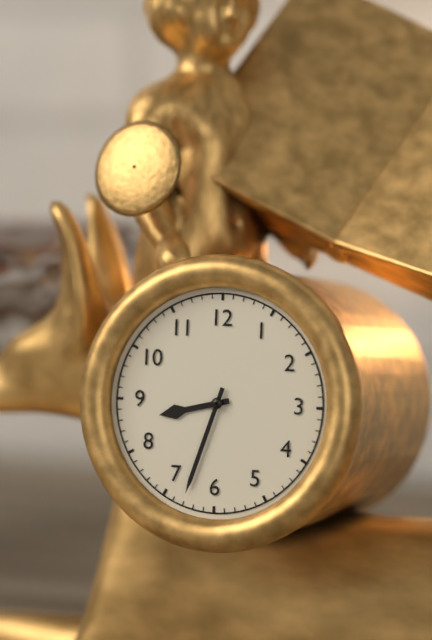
8:33
